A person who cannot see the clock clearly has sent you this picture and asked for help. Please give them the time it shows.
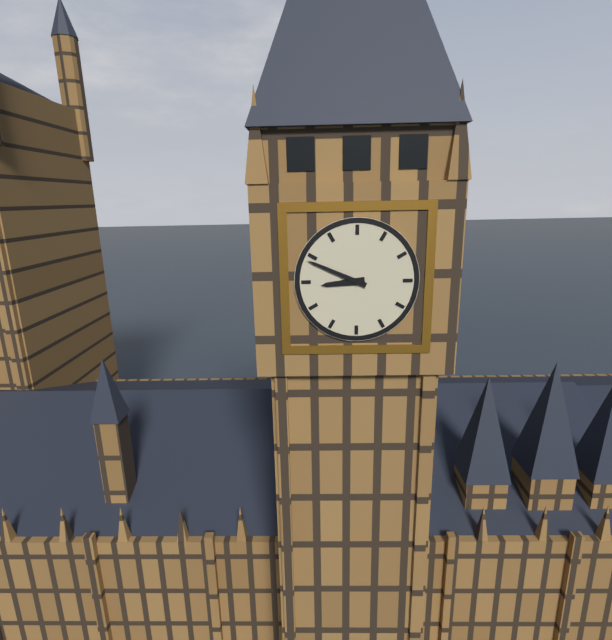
8:49
